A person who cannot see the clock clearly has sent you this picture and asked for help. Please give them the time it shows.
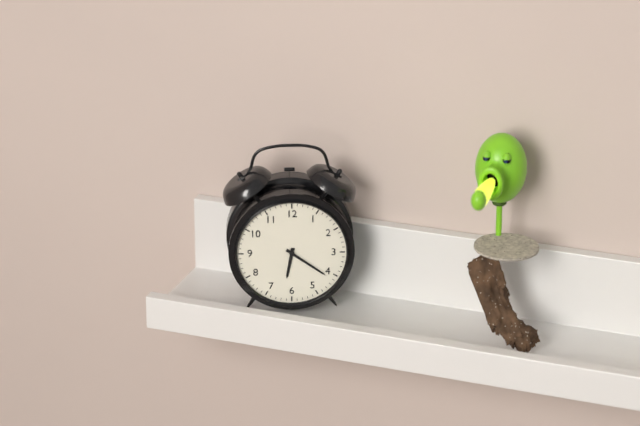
6:21
